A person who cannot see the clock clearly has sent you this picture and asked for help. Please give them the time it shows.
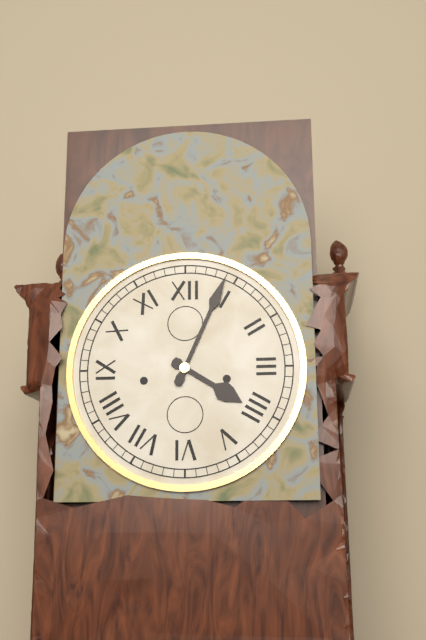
4:04
